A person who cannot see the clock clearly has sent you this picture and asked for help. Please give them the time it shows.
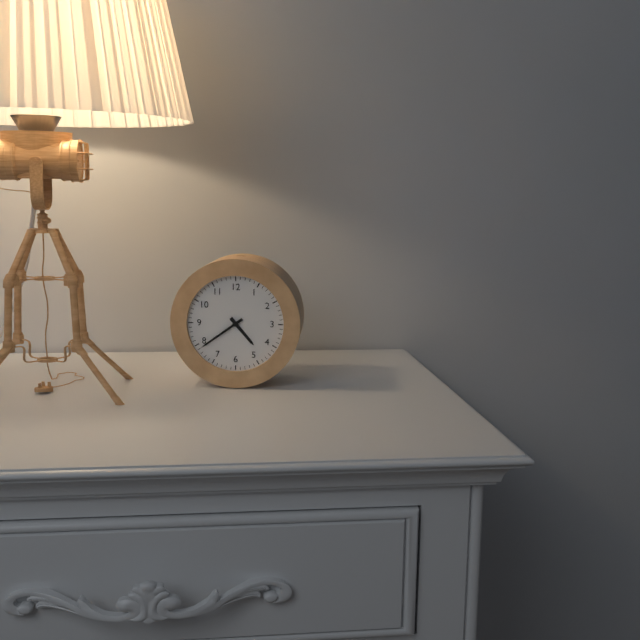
4:39
